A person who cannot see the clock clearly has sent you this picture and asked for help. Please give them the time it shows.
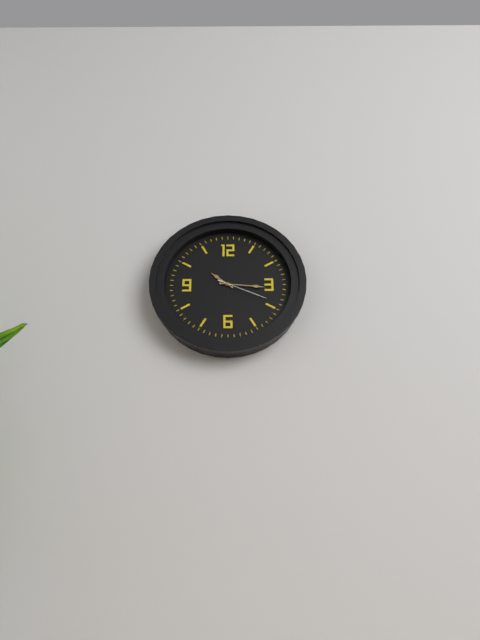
10:16:19
